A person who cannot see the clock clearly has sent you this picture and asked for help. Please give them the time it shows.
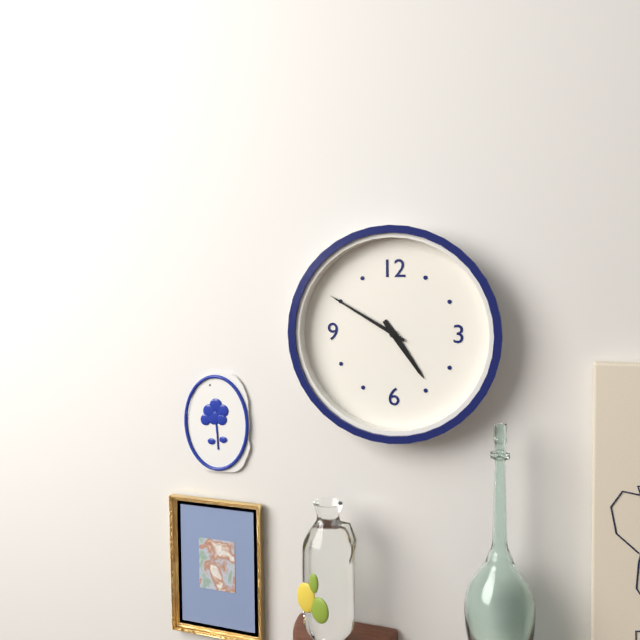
4:50
